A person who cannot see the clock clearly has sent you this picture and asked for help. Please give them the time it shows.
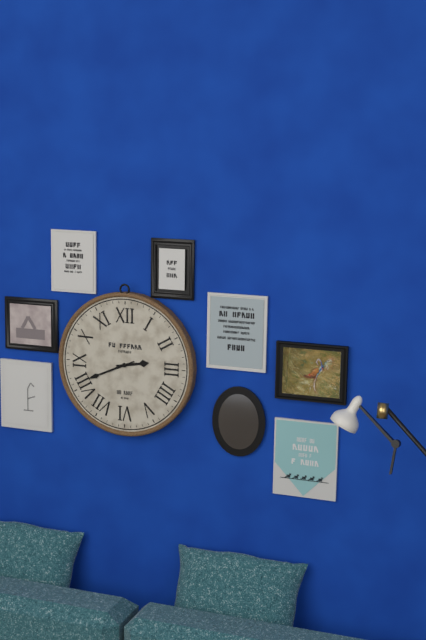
2:41
